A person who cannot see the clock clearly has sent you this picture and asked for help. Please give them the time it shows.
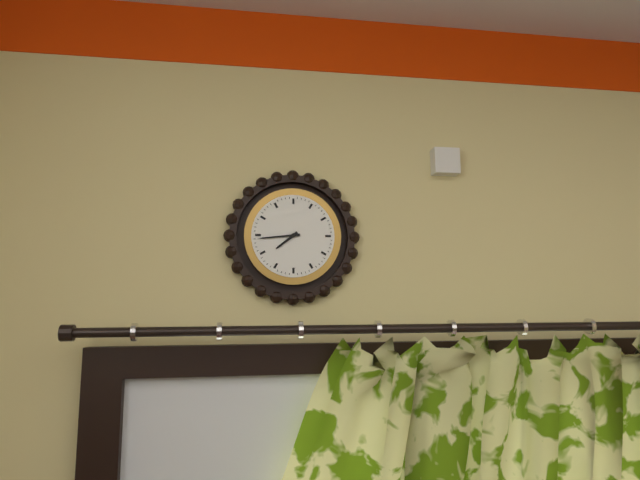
7:44
